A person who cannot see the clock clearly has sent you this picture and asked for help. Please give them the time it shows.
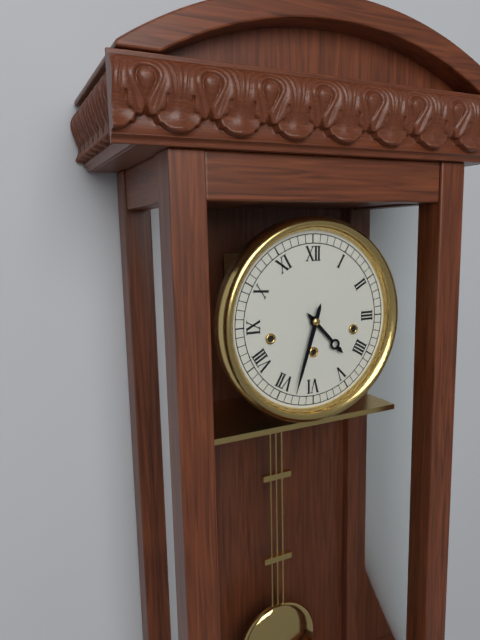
4:33
